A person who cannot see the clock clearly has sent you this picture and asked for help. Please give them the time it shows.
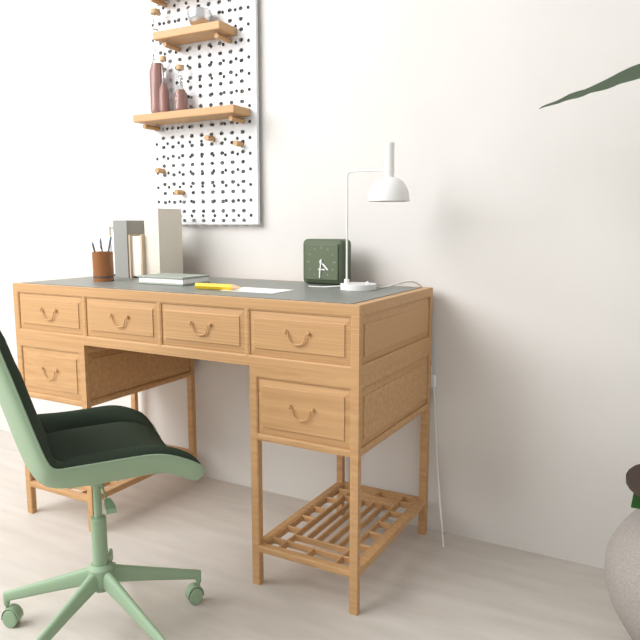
4:31
